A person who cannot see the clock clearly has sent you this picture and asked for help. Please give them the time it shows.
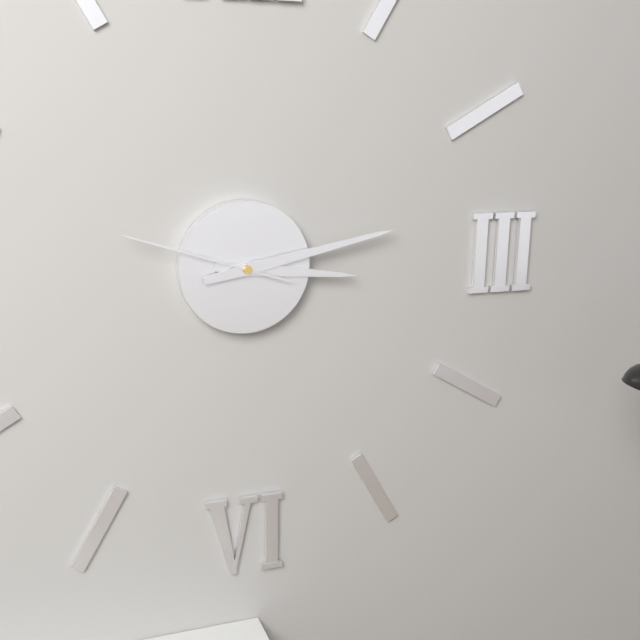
3:13:48
